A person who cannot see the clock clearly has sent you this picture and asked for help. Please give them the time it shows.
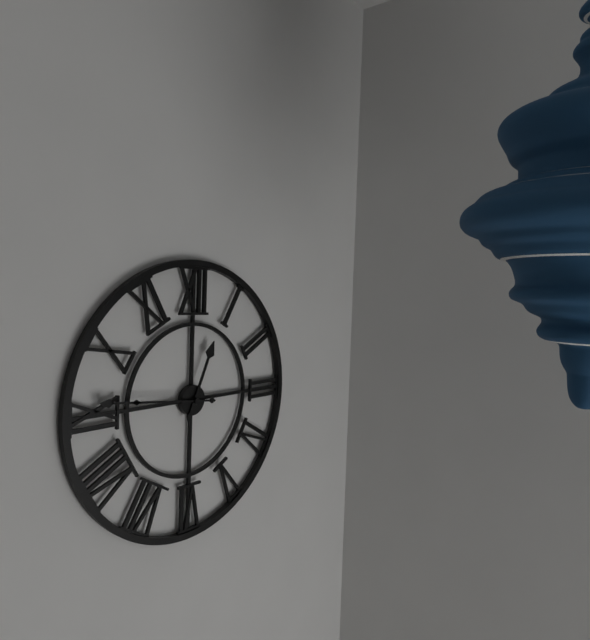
12:46
